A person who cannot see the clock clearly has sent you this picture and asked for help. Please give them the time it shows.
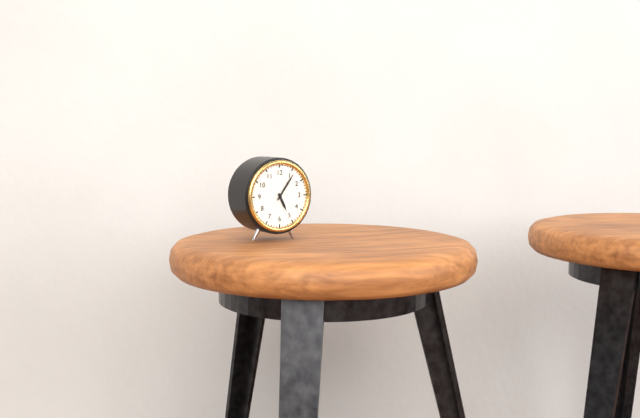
5:06
